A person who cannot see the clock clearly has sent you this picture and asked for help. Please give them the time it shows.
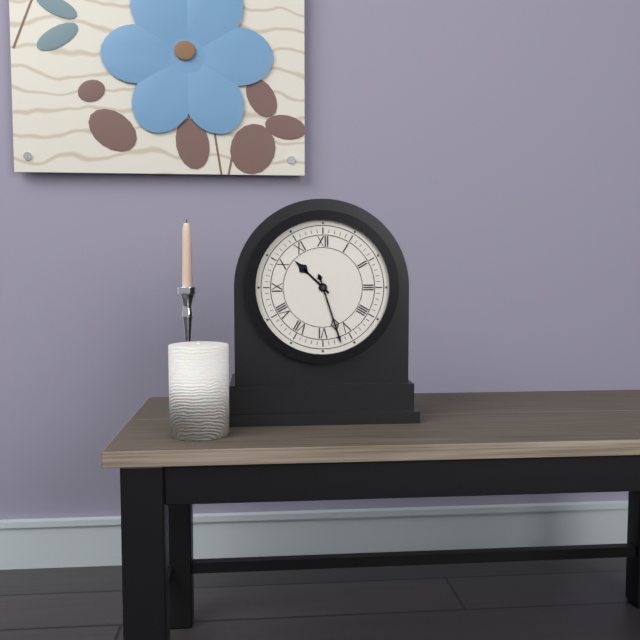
10:27
